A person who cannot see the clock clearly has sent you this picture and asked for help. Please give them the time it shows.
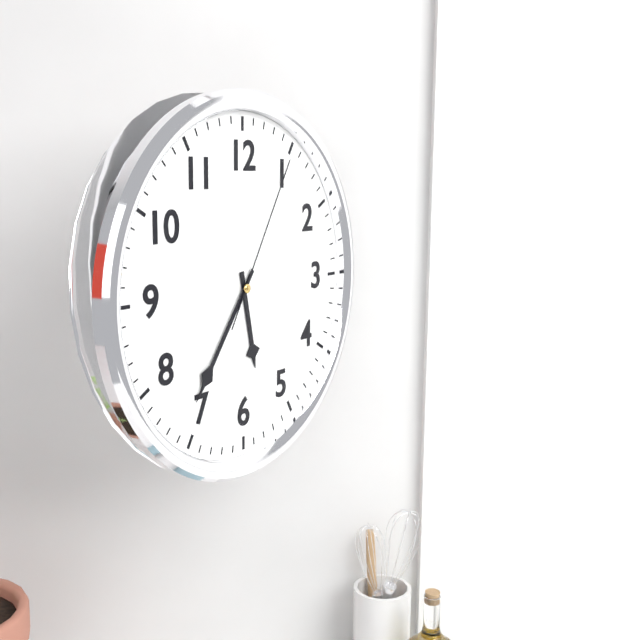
5:36:05
